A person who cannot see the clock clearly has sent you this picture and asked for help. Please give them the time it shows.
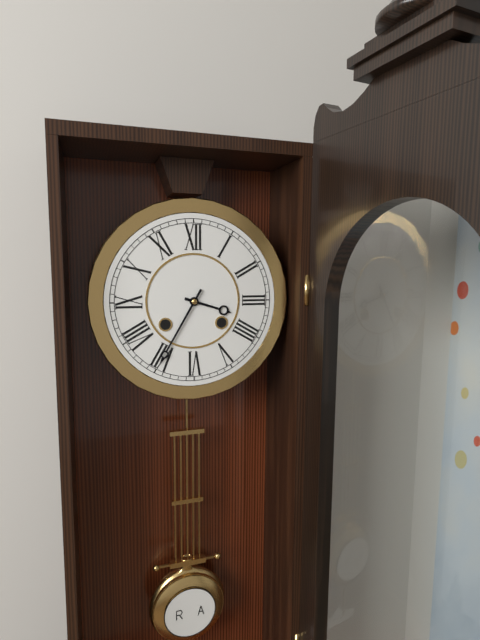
3:35
